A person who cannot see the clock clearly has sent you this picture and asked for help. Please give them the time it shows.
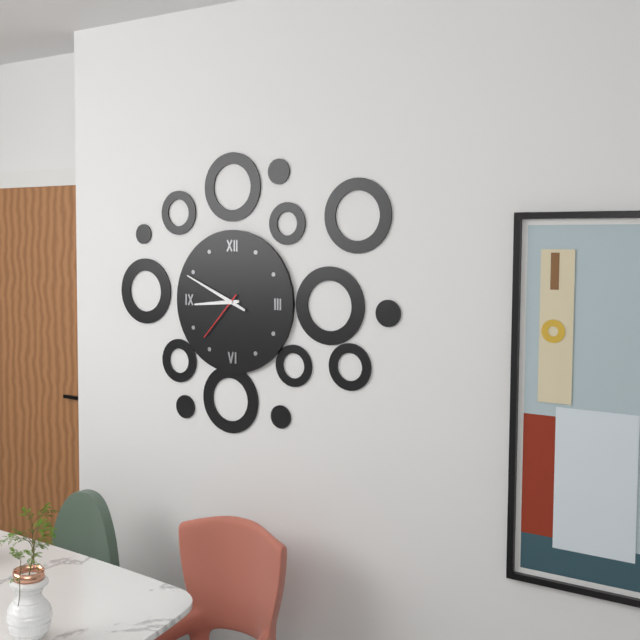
8:49:37
